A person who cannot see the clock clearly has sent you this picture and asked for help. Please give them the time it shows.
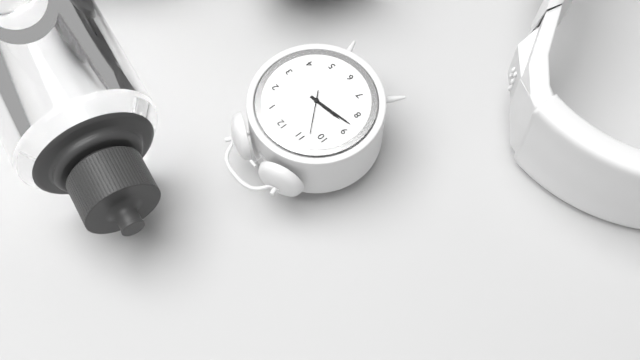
8:43
